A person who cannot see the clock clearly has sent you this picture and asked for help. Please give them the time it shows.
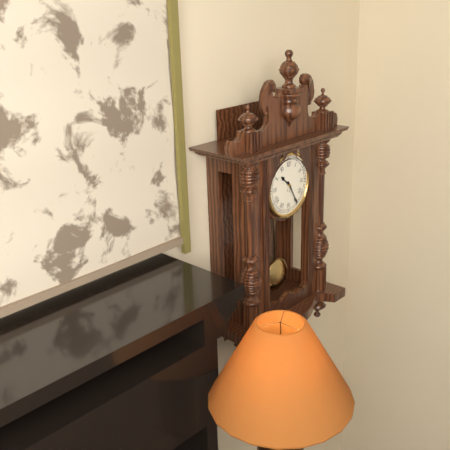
10:25
